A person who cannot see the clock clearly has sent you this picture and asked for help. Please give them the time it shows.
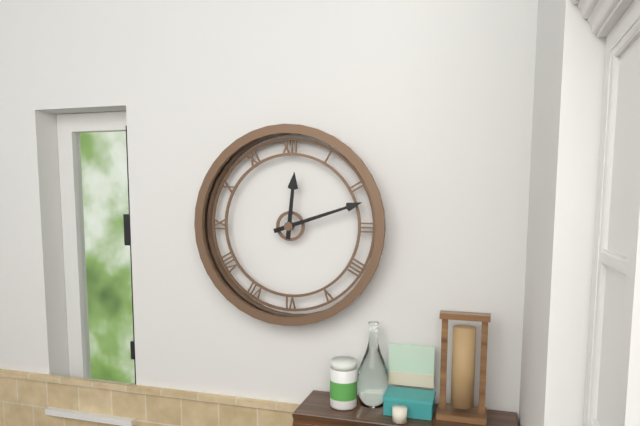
12:12
